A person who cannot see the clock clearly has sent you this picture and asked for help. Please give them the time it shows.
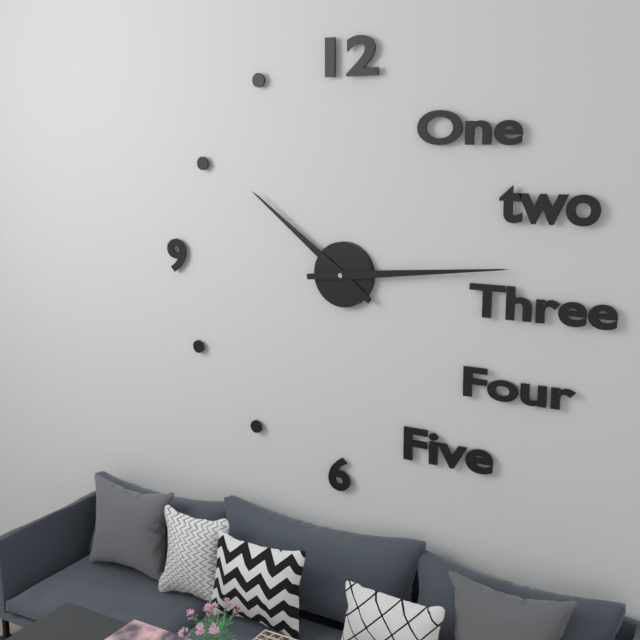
10:14
